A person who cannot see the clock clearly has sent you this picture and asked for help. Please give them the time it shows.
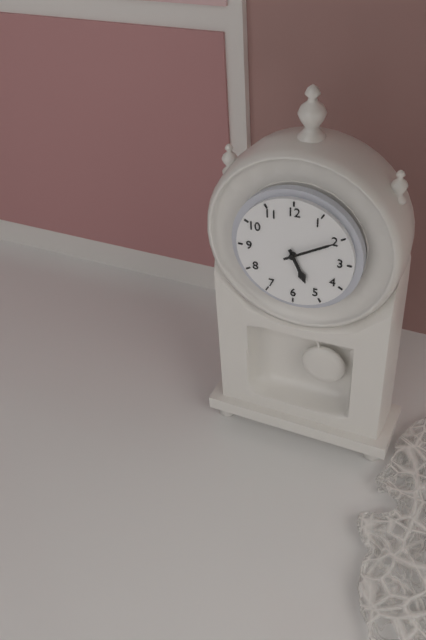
5:10
